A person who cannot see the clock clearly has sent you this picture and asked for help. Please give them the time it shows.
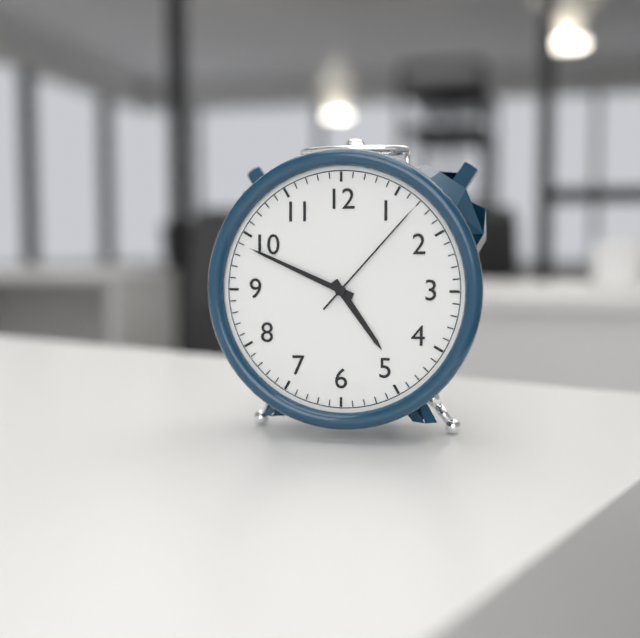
4:49:07
